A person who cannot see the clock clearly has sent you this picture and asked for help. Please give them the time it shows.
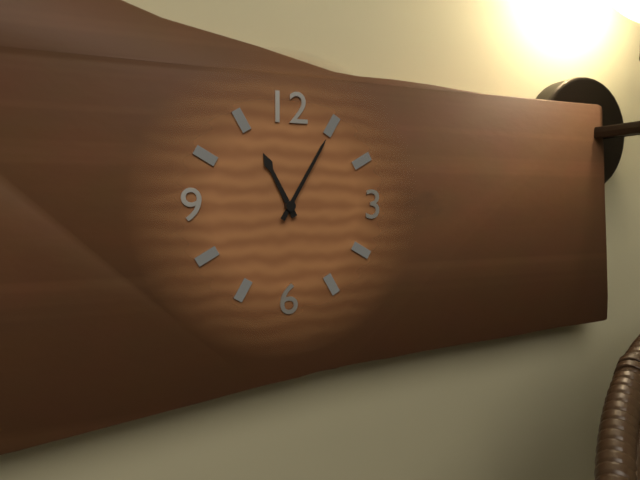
11:05
